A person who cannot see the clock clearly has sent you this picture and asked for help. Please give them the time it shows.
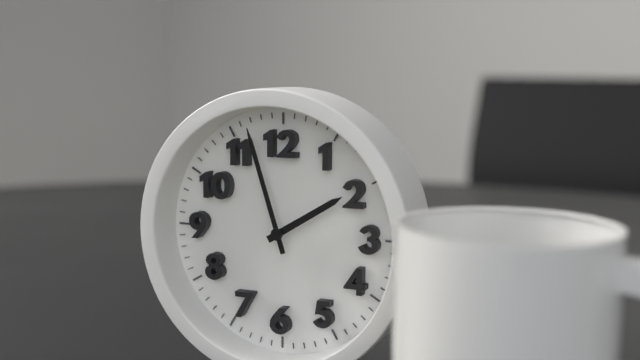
1:57
